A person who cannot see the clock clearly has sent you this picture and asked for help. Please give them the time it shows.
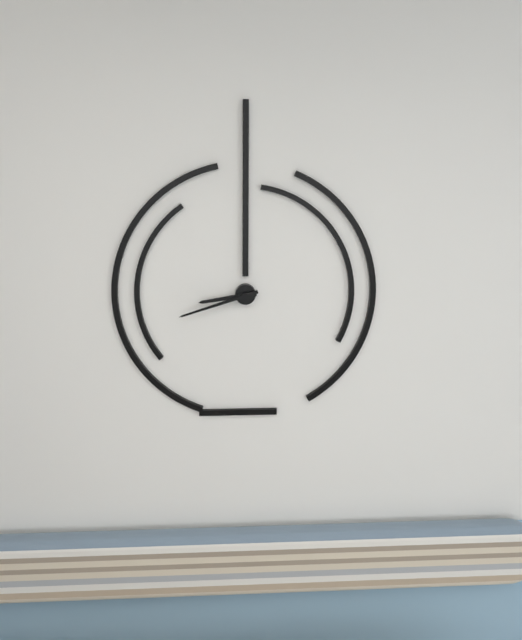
8:42
